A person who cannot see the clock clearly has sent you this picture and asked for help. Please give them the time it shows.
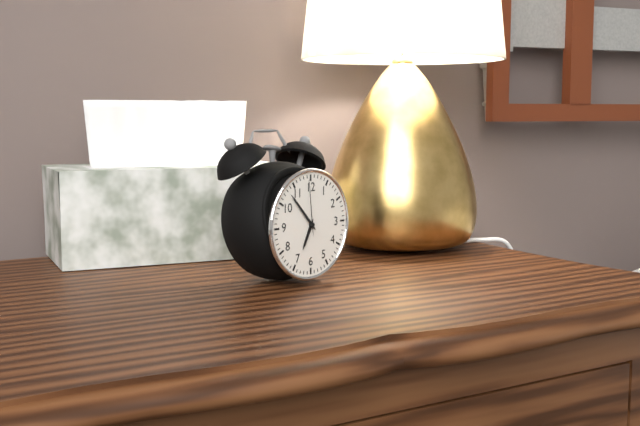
6:53:59
